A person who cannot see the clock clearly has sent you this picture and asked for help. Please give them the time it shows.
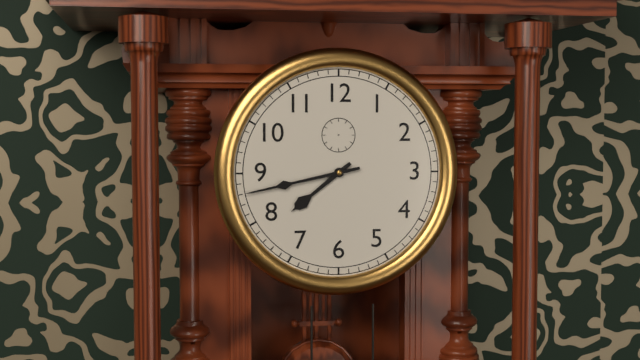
7:43
